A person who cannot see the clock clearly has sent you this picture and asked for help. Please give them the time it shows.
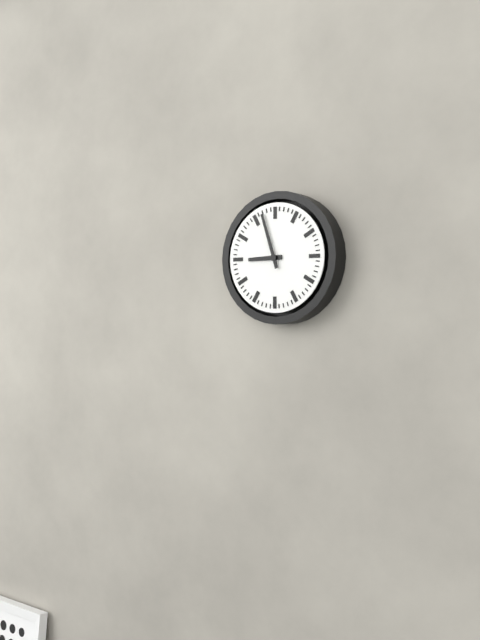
8:57
